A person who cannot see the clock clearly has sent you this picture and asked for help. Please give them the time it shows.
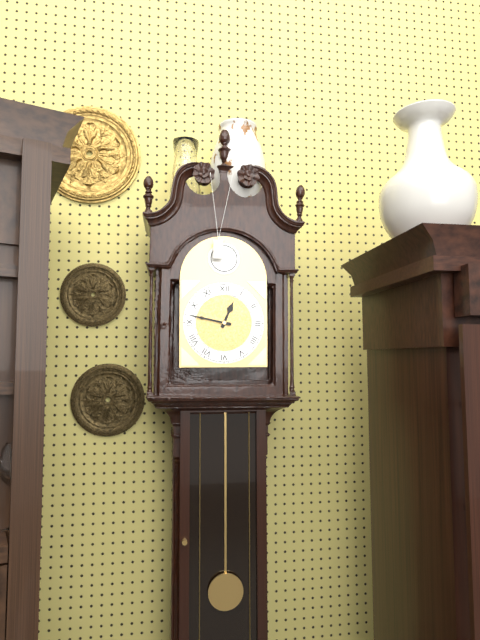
12:47
